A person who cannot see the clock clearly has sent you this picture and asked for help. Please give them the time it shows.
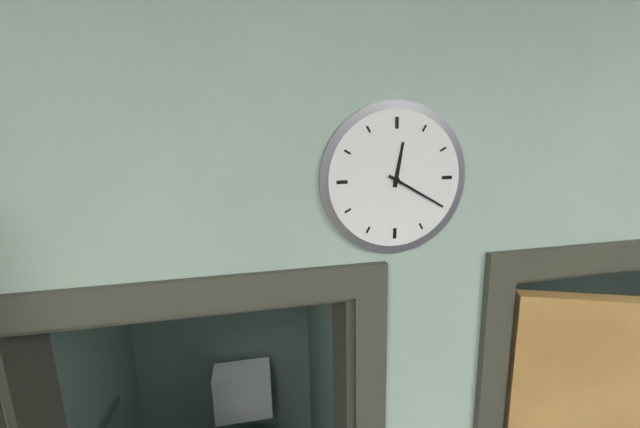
12:20
